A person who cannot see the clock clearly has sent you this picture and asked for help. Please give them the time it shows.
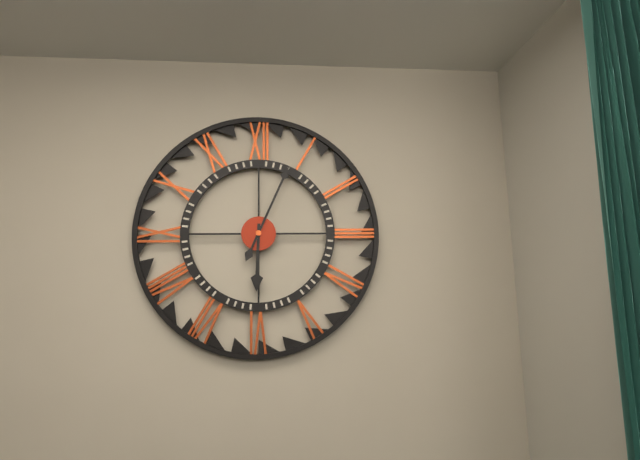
6:04
